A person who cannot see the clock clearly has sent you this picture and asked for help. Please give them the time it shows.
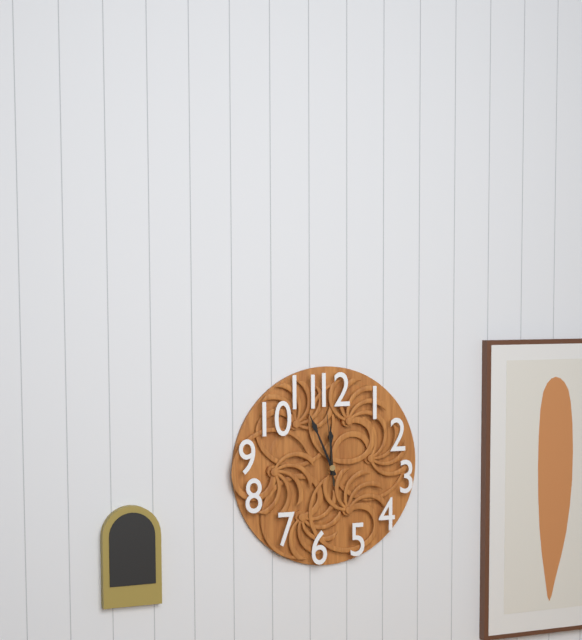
11:56:59
